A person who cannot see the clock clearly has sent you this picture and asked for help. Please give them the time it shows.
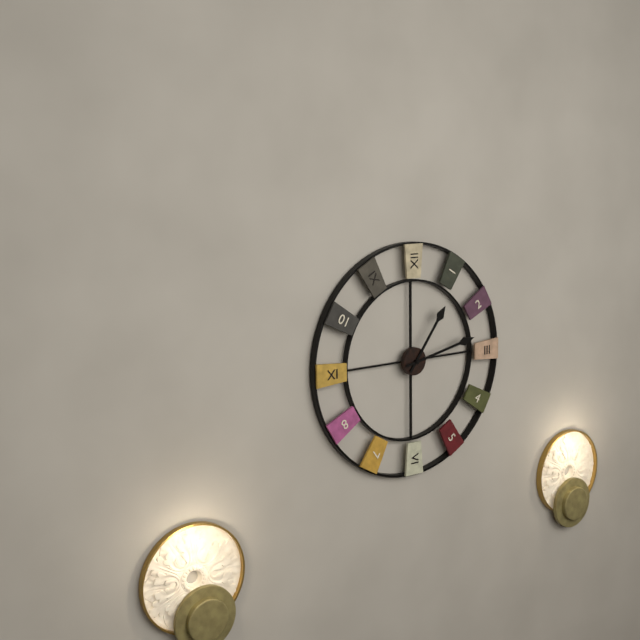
1:13
